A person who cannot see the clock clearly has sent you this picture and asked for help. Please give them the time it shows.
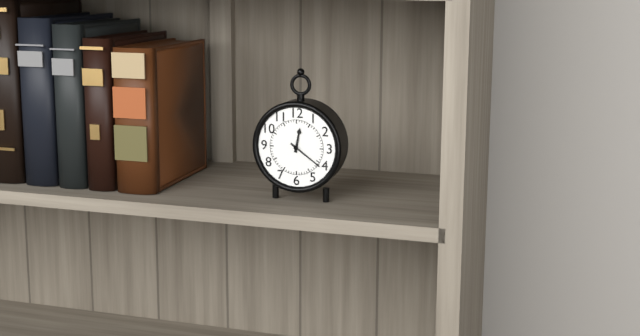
12:21
